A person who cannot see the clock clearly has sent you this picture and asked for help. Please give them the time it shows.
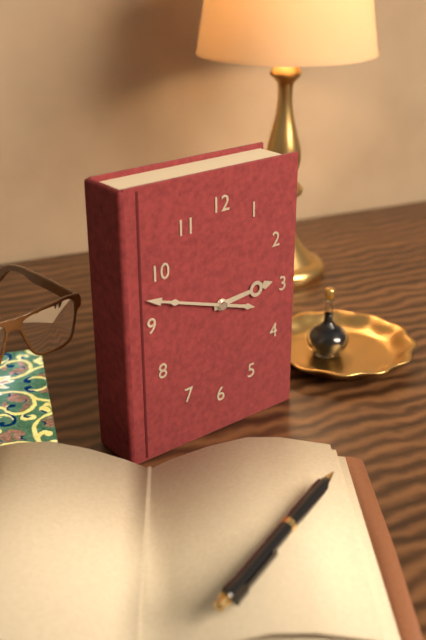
2:48
